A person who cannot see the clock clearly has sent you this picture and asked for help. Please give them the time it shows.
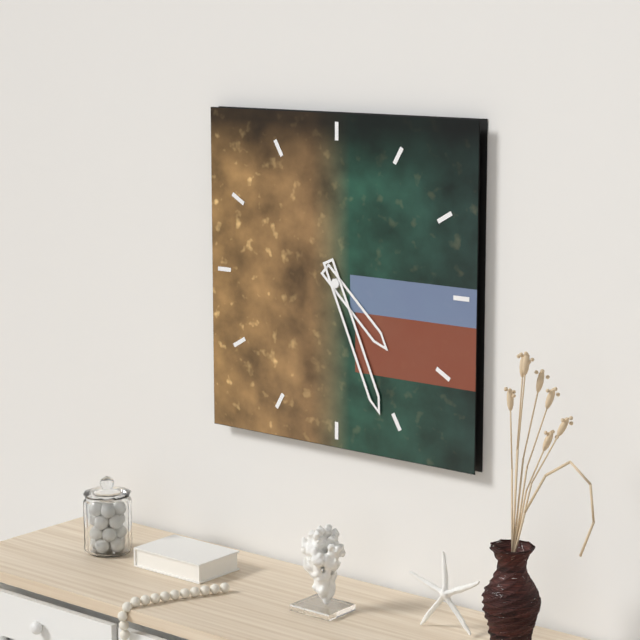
4:26
